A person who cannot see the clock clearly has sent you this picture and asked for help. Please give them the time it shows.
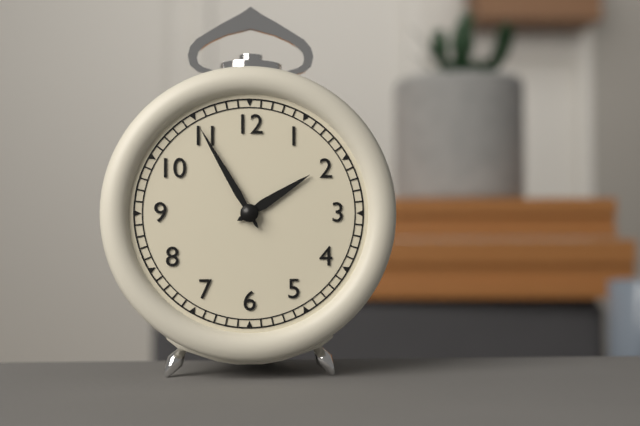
1:55
